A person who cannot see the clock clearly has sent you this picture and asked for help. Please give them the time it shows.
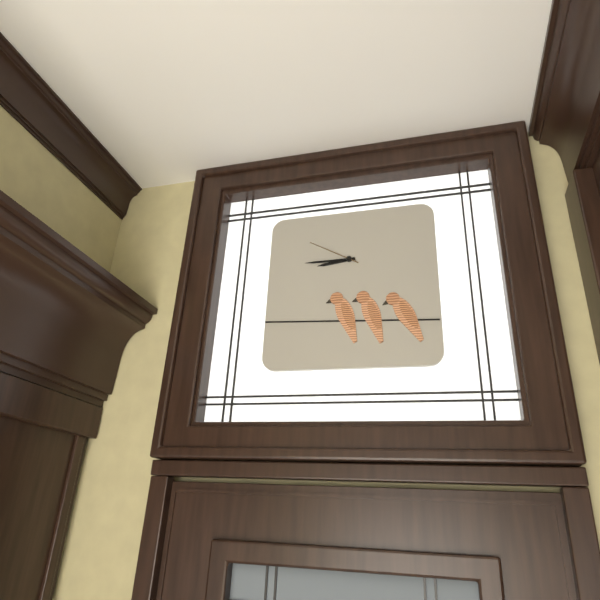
8:45:50
